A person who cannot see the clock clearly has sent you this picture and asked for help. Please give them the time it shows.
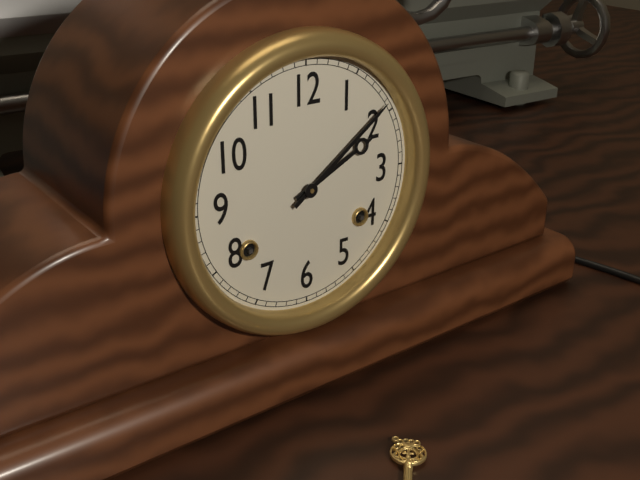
2:09
